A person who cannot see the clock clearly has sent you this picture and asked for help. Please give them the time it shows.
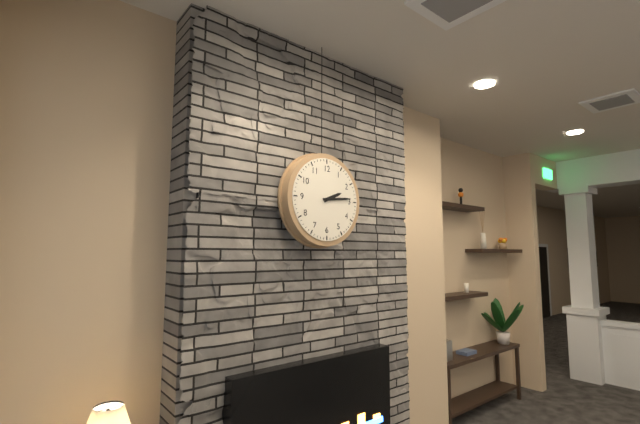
2:14
